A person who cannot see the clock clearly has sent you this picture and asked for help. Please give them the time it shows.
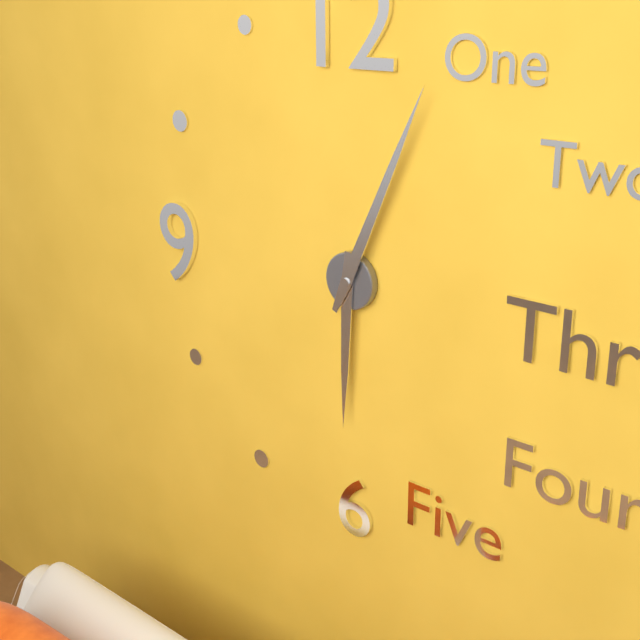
6:04
